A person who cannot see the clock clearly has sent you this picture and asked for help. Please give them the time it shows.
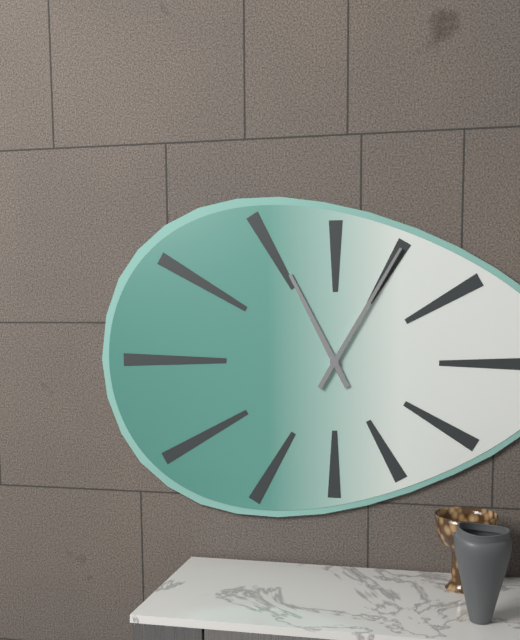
11:05
